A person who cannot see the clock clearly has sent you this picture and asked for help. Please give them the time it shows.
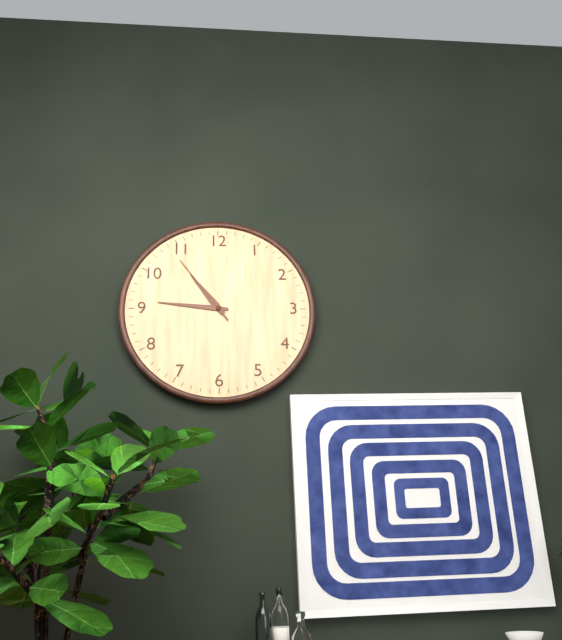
10:46:54
